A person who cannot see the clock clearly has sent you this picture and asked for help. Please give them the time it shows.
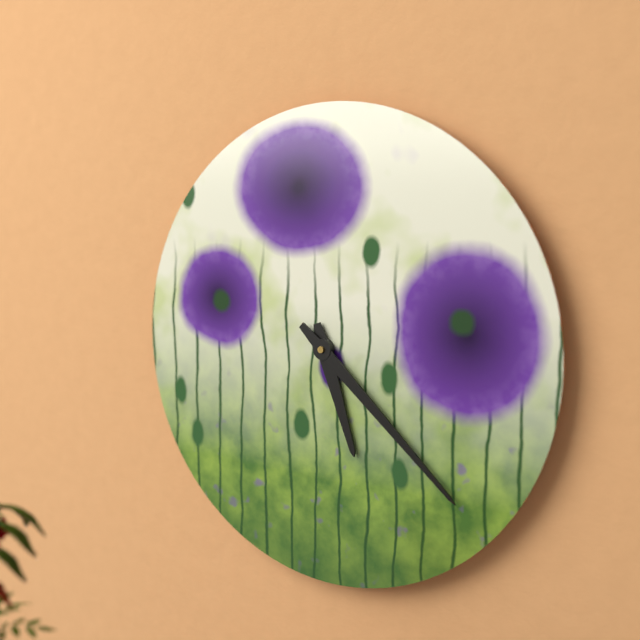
5:22
